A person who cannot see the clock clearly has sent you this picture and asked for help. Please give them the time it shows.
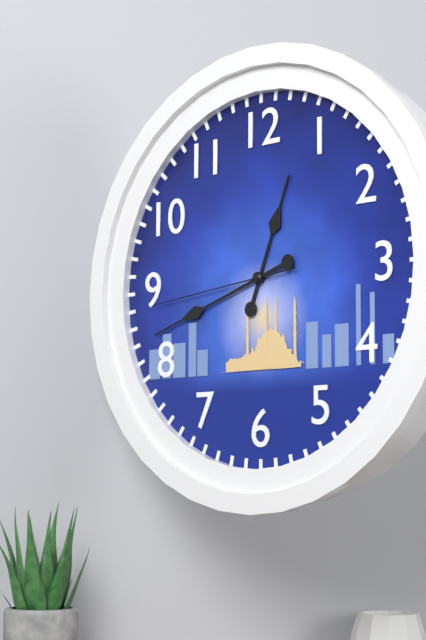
12:42:44
